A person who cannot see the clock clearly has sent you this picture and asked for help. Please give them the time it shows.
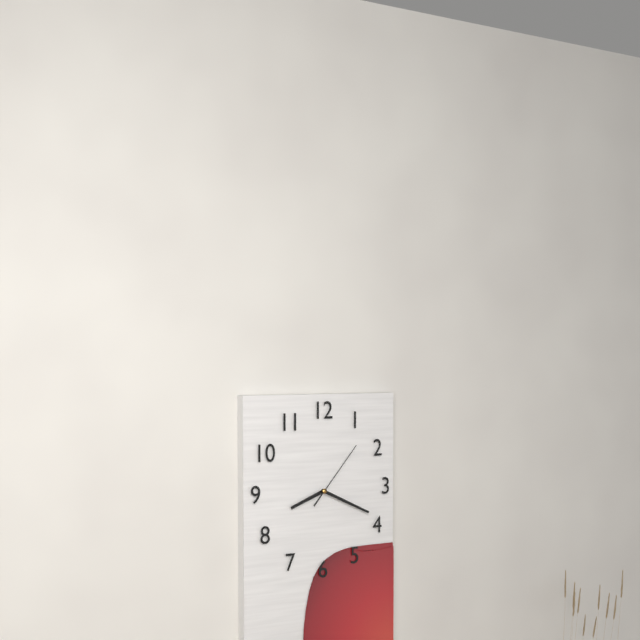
8:19:07
